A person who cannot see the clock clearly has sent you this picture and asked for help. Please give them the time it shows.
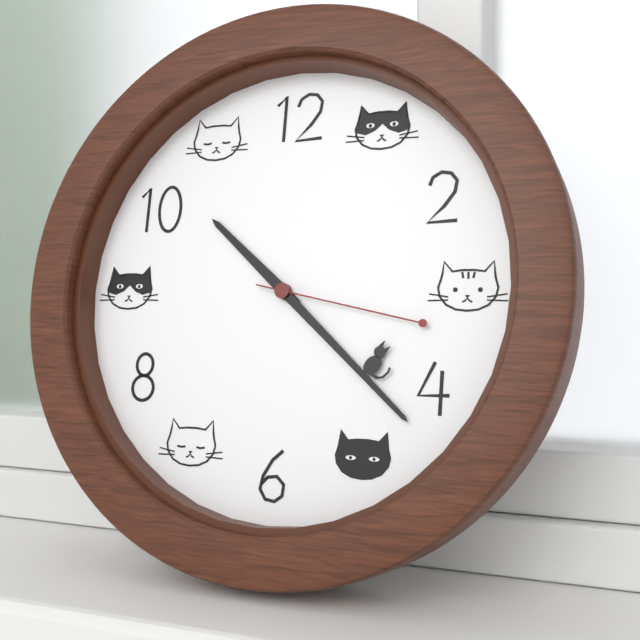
10:22:17
